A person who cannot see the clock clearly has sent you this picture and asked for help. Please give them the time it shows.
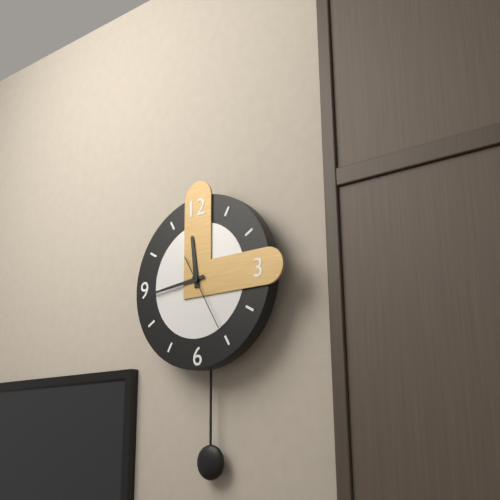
11:44:25
